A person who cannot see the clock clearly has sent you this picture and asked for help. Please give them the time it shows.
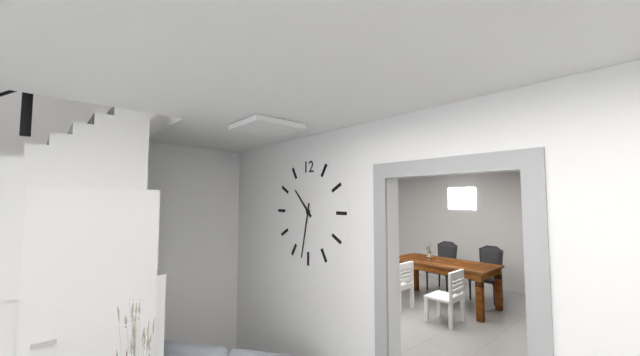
10:32
